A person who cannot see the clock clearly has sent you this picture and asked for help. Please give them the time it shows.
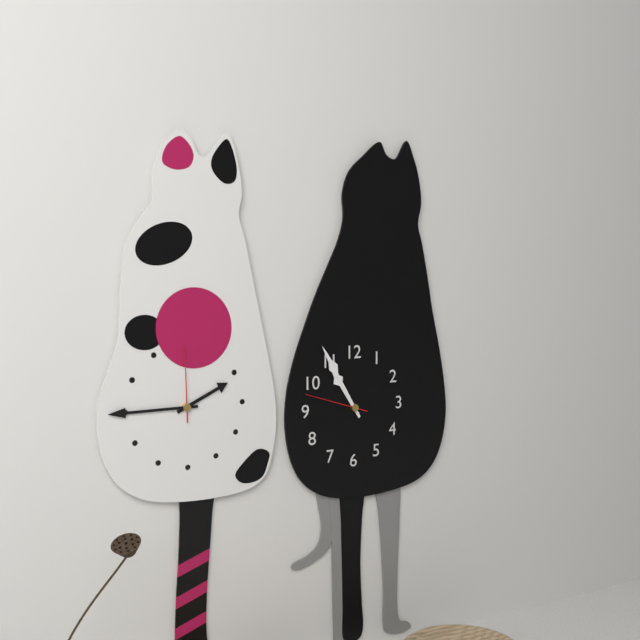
10:55:48
